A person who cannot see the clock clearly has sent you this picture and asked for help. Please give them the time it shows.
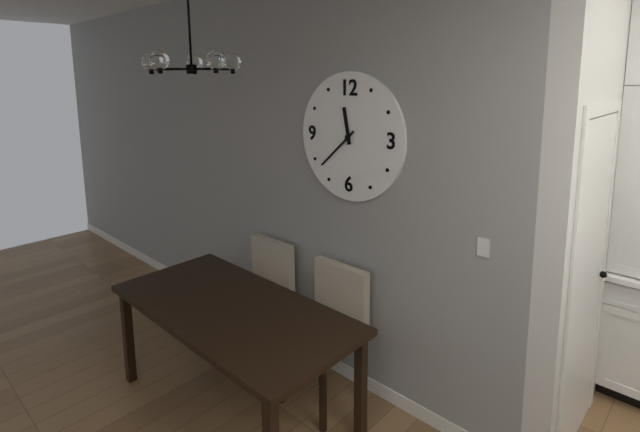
11:38
